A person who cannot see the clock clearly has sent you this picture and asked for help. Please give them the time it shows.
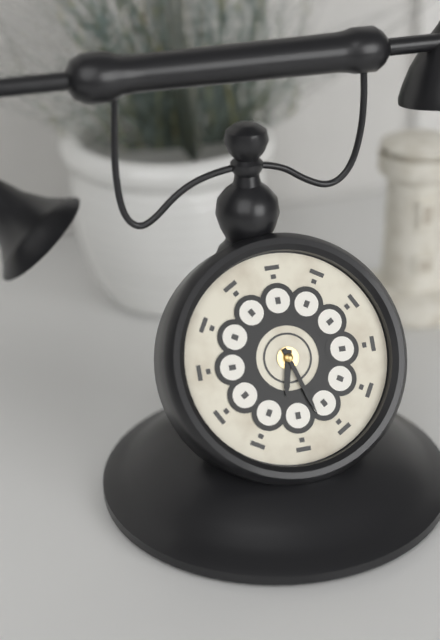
6:27
